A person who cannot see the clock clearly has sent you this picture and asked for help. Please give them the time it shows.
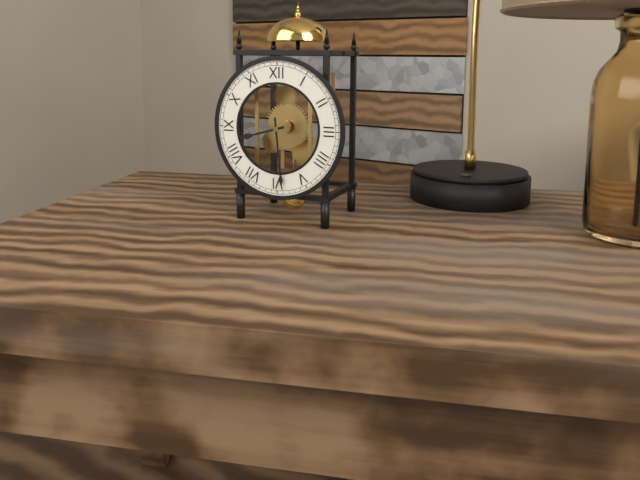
8:29
